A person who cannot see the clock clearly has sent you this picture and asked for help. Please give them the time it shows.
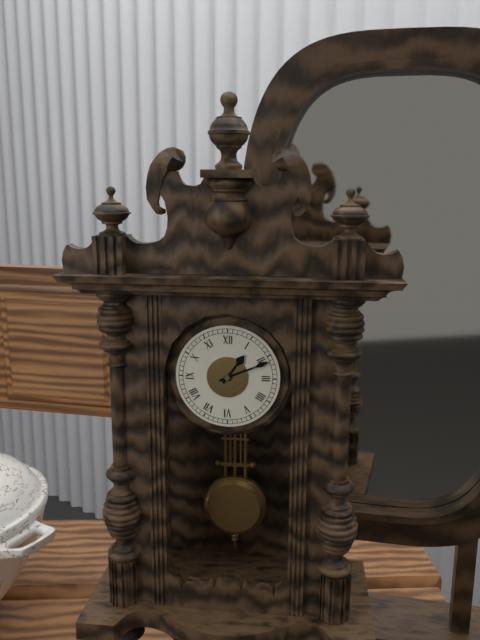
1:11
